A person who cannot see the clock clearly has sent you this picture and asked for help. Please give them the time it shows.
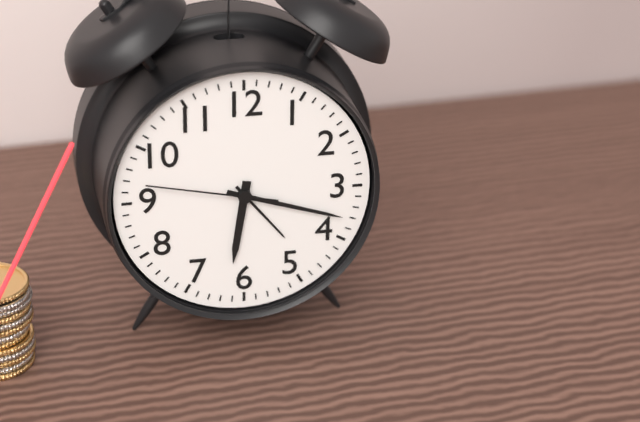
6:18:47
